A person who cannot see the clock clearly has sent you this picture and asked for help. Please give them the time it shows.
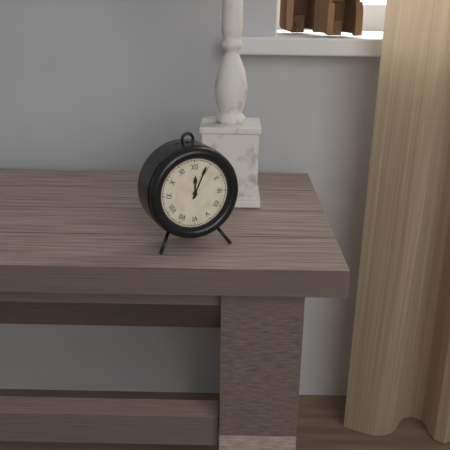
12:04
